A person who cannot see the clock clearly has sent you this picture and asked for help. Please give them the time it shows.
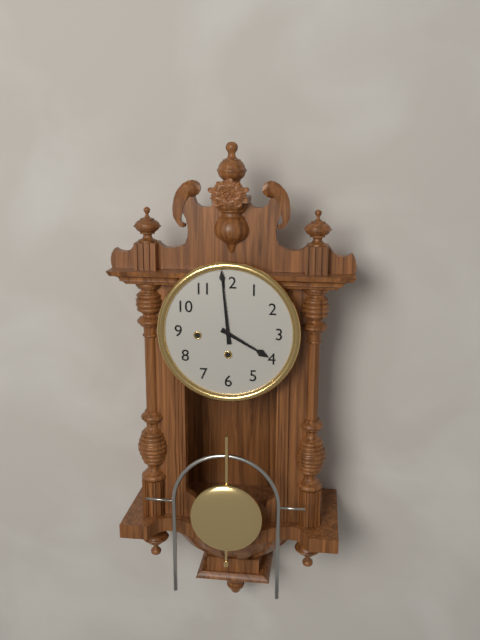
3:59
